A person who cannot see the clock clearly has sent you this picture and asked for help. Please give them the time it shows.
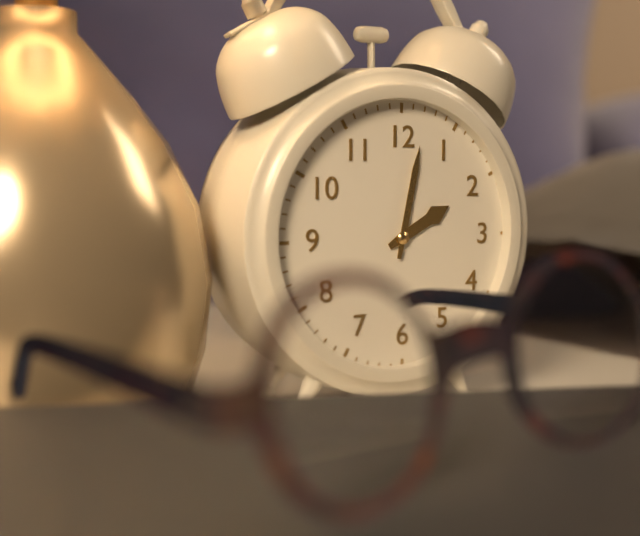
2:02
